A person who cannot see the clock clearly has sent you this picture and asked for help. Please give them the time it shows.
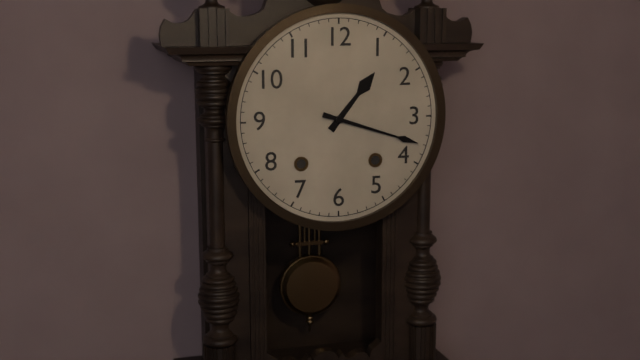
1:18
